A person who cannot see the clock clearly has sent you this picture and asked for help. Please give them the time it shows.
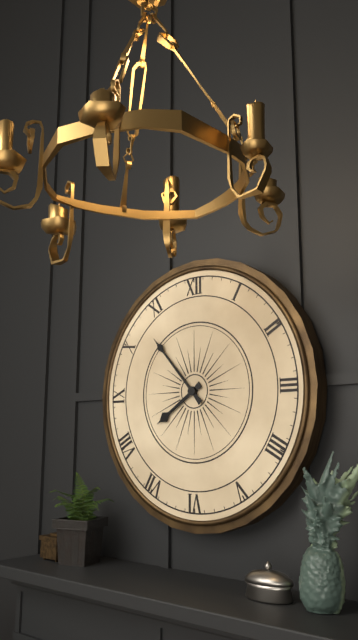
7:53
